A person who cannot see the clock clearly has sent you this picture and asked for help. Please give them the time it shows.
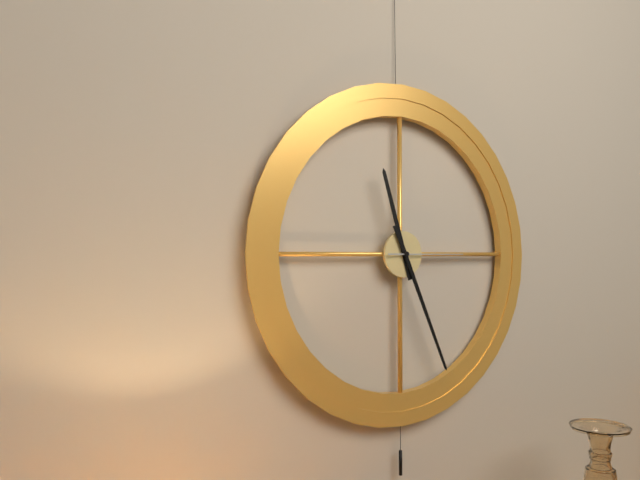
11:26:15
